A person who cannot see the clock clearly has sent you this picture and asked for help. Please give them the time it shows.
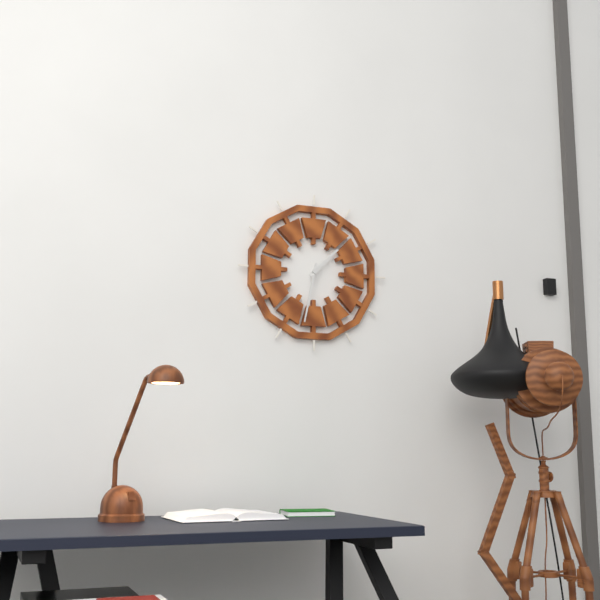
1:32
